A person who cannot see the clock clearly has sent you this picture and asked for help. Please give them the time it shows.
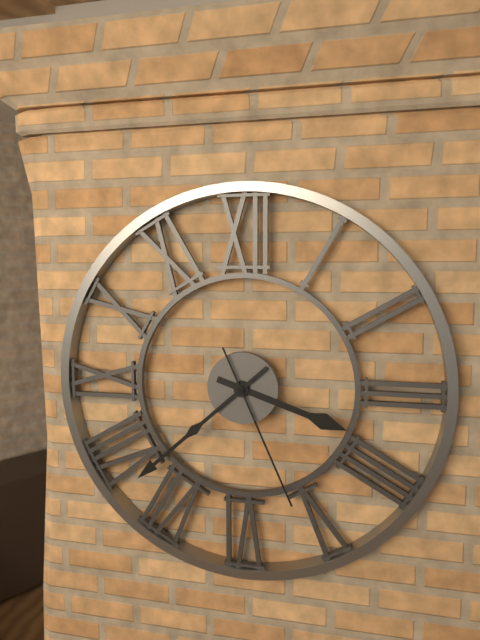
3:38:26
